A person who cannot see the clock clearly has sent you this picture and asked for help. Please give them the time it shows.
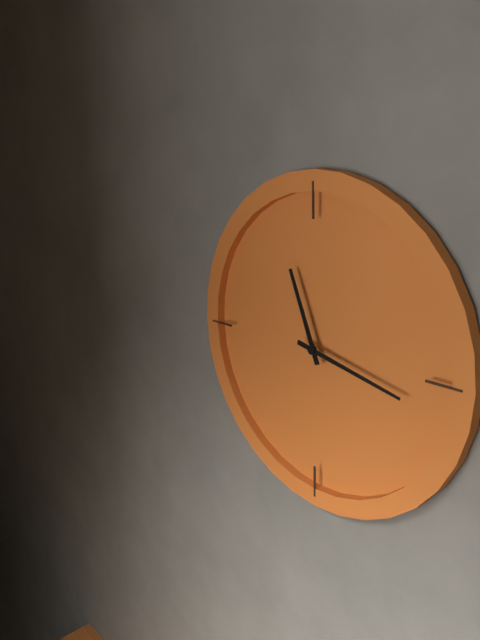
11:17
